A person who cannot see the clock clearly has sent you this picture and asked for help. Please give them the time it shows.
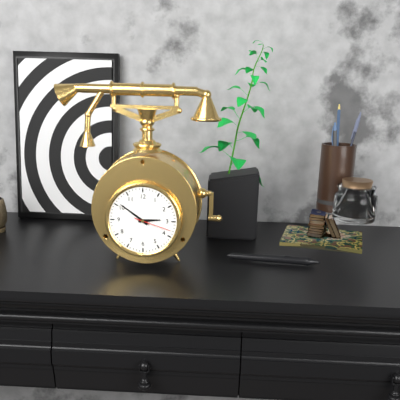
2:51
